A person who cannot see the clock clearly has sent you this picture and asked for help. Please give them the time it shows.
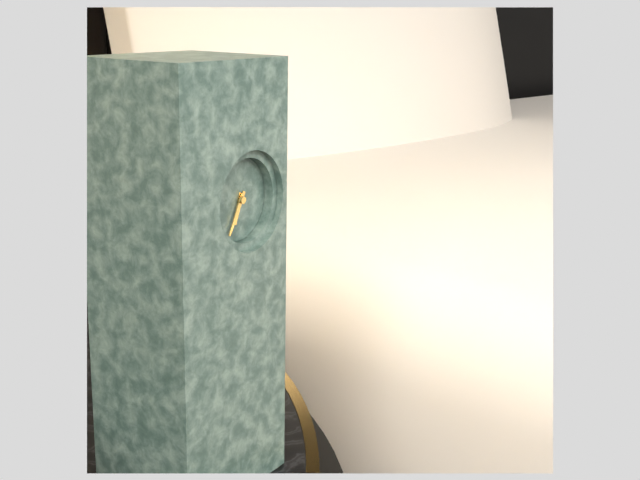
6:35
